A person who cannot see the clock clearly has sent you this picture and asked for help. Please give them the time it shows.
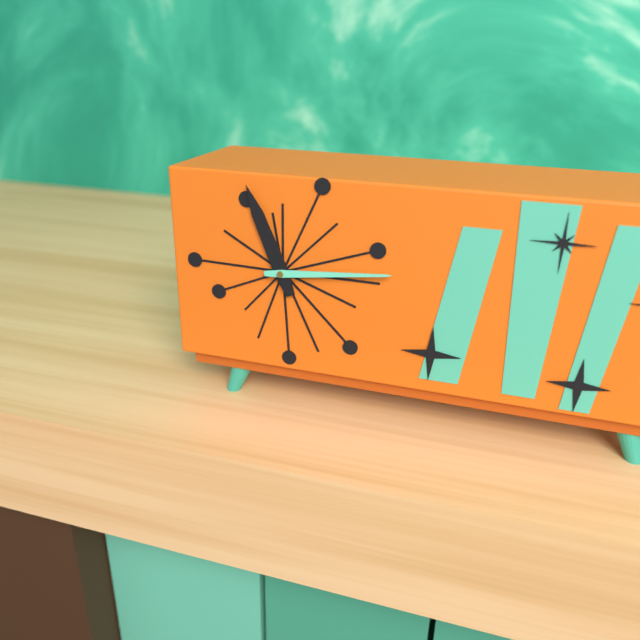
11:14
